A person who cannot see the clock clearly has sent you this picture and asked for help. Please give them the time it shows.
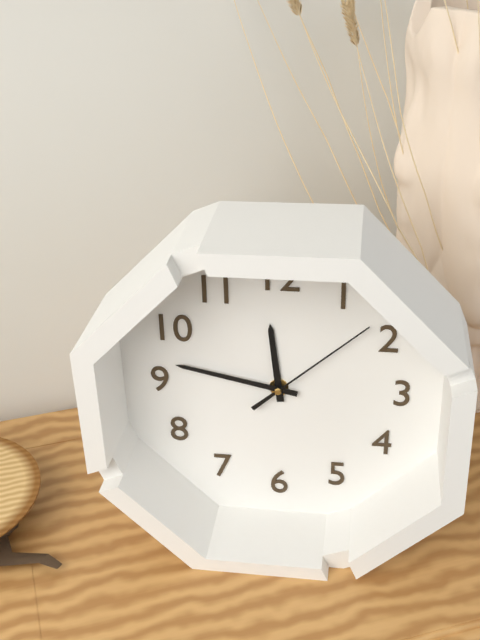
11:47:08
